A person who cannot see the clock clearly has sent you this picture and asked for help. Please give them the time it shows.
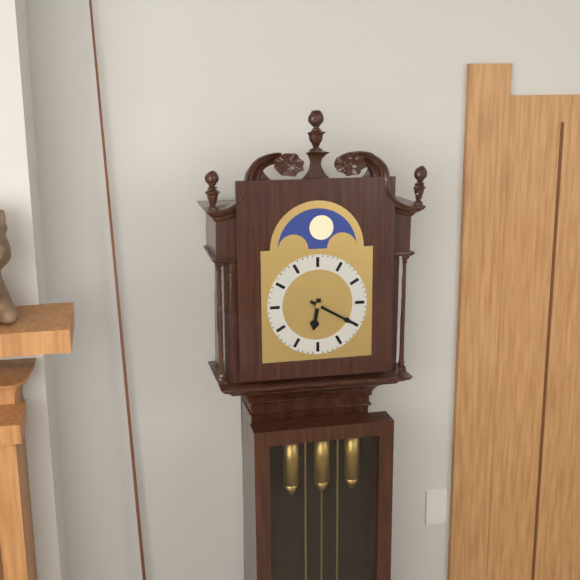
6:20
